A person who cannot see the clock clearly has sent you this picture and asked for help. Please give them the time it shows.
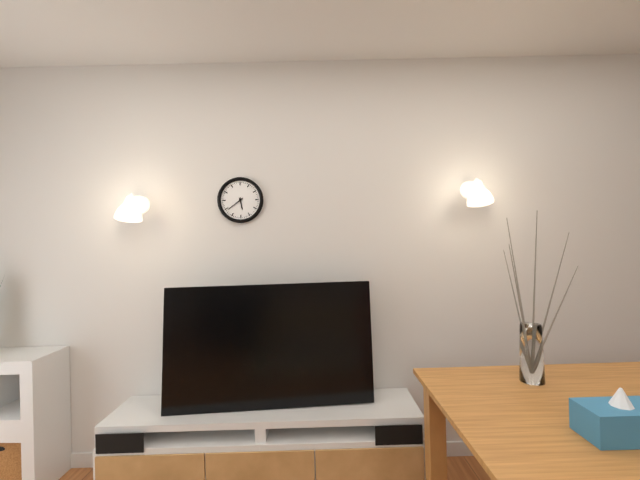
5:39
